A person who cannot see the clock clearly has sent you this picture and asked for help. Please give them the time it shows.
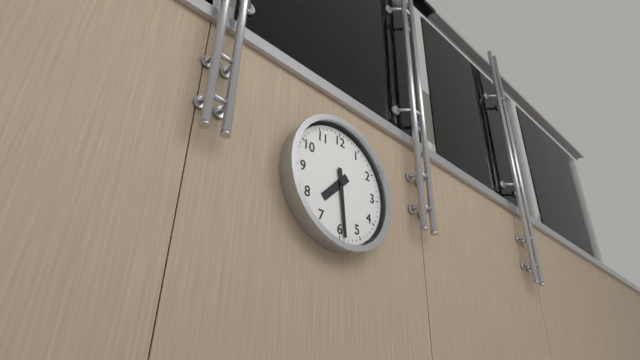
7:29
